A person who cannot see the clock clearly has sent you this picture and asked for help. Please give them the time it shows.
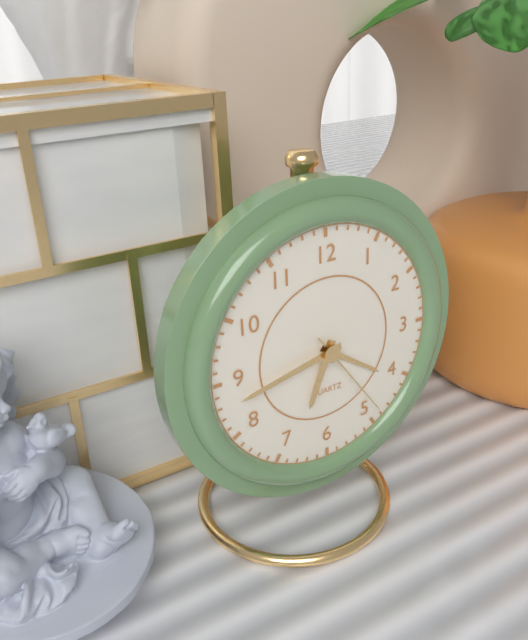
6:43:24
